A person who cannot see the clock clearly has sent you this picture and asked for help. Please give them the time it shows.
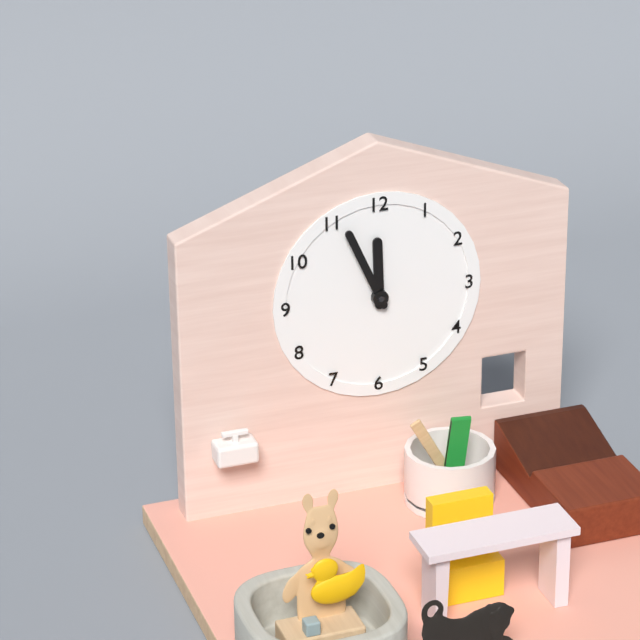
11:56
